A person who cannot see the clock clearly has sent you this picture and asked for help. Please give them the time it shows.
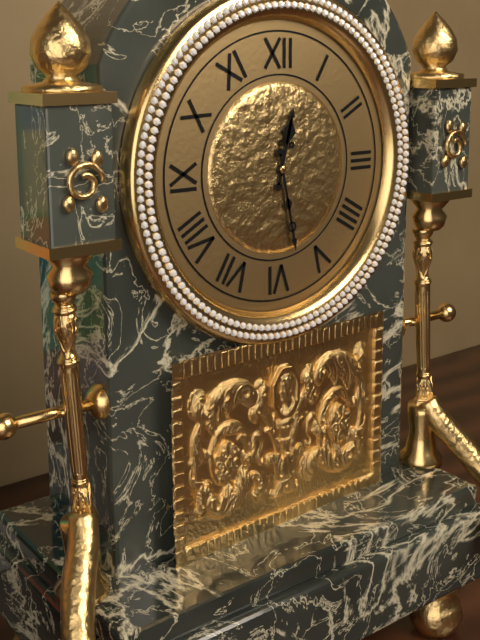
12:28
